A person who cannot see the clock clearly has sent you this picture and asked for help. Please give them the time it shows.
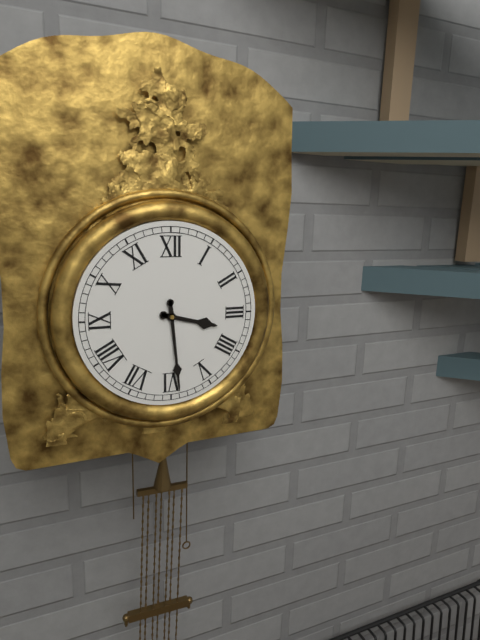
3:29
